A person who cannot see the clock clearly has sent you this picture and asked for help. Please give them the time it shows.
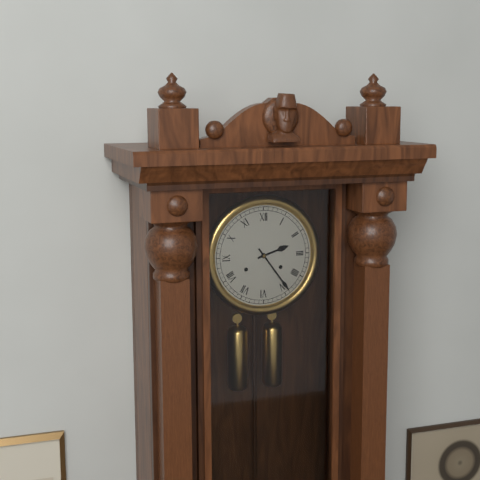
2:24
